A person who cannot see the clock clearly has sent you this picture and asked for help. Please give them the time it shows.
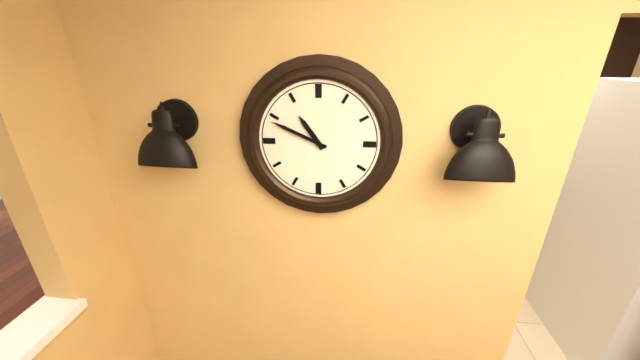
10:49
